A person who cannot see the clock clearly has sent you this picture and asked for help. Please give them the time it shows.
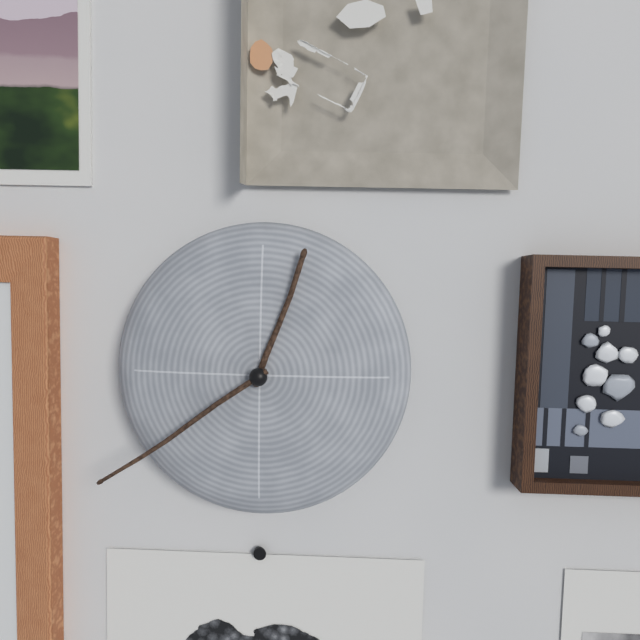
12:39
